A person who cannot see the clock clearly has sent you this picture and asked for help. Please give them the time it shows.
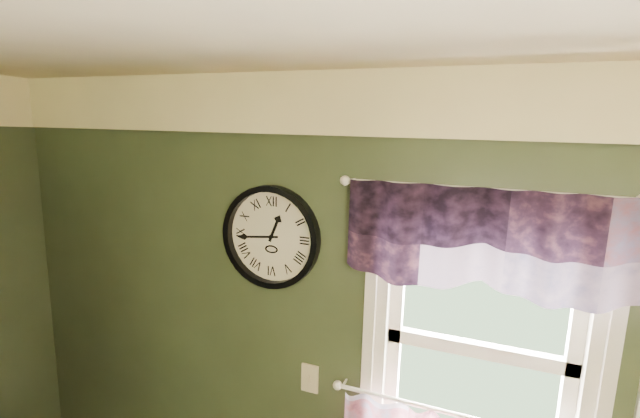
12:44
